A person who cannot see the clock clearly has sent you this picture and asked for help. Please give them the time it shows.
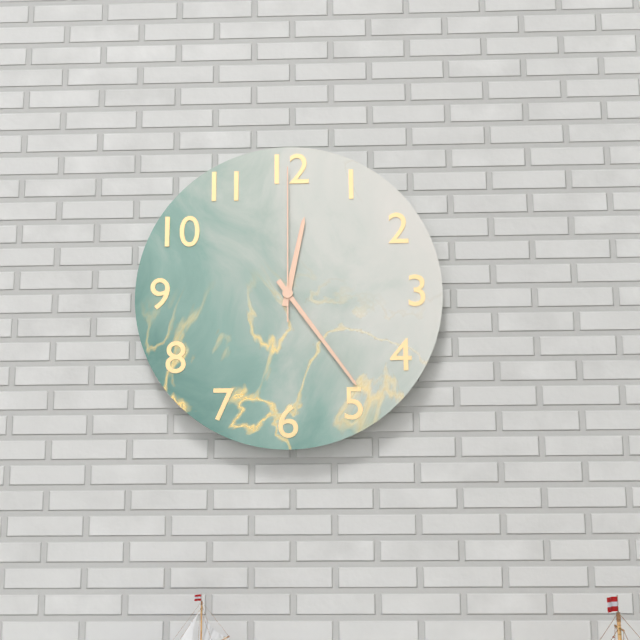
12:24:00
